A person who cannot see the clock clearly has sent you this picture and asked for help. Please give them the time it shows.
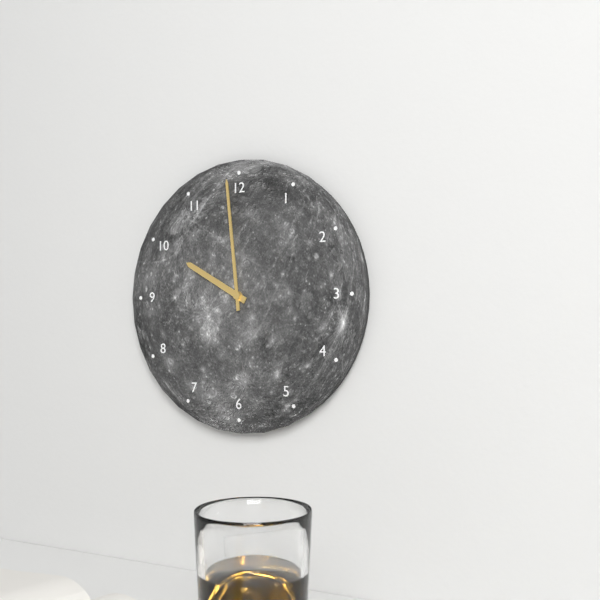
9:59
